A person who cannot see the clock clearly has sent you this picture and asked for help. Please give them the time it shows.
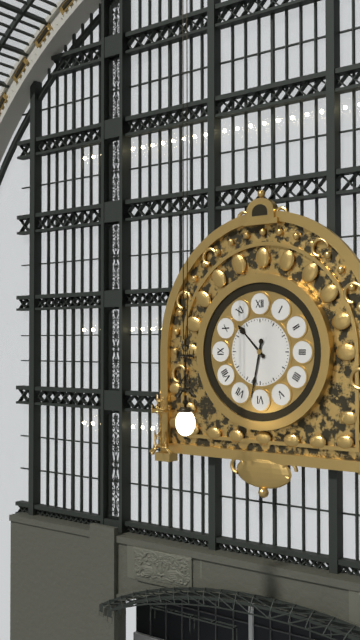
10:32
